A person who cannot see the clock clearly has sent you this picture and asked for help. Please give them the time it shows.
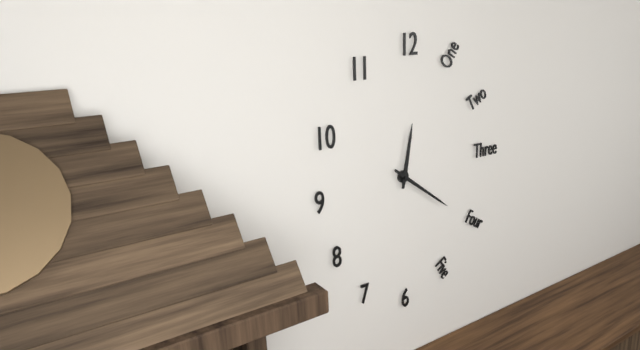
12:21
